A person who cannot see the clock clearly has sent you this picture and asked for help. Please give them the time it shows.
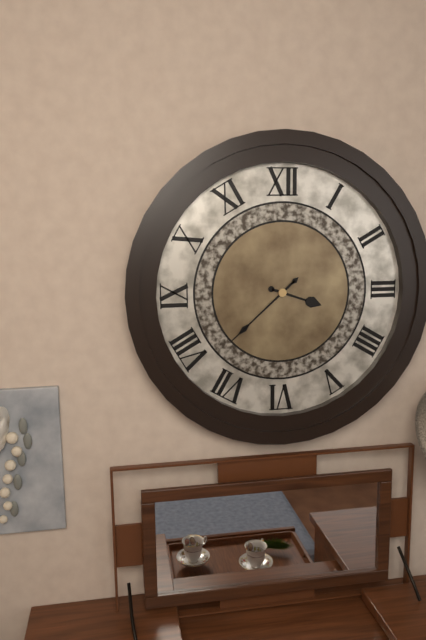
3:38
